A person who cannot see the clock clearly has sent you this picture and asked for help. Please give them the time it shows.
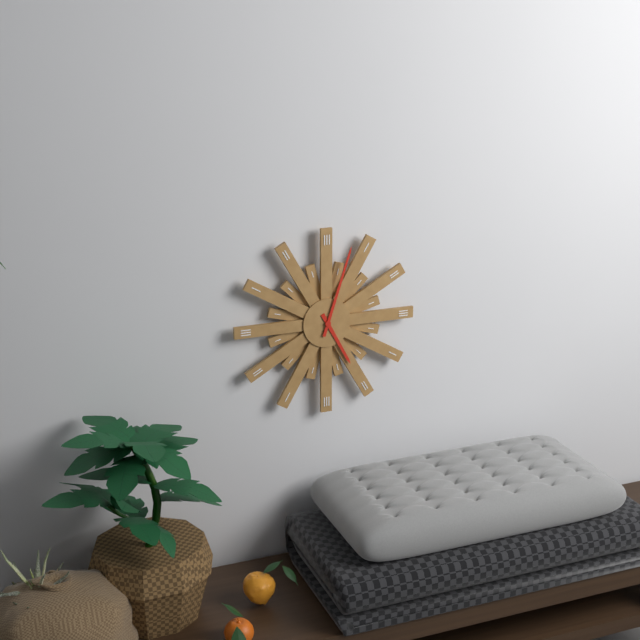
5:03
